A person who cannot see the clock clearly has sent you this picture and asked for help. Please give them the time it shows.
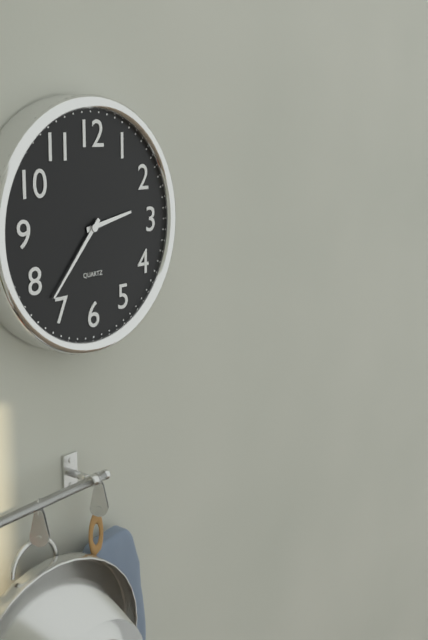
2:37
